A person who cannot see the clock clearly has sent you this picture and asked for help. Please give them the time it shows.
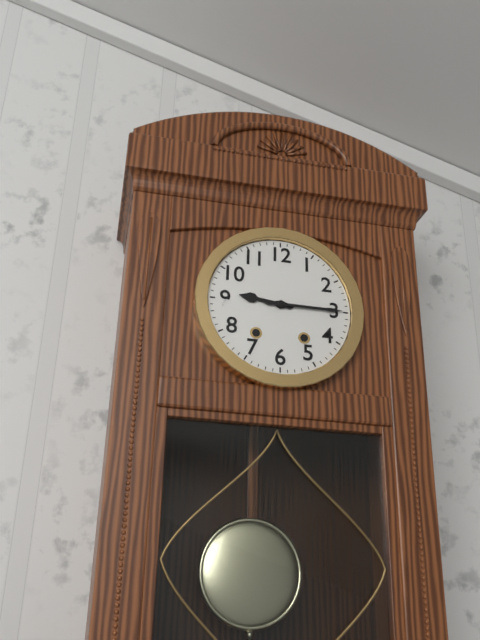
9:15
